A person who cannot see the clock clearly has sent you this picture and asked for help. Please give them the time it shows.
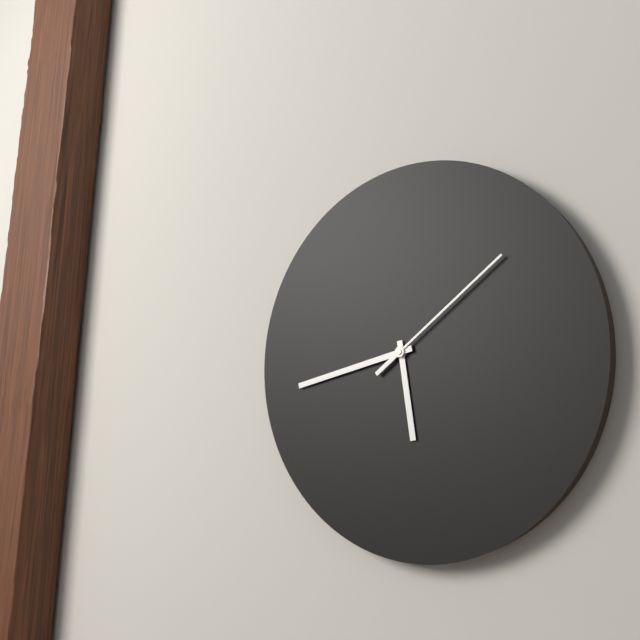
5:43:09
